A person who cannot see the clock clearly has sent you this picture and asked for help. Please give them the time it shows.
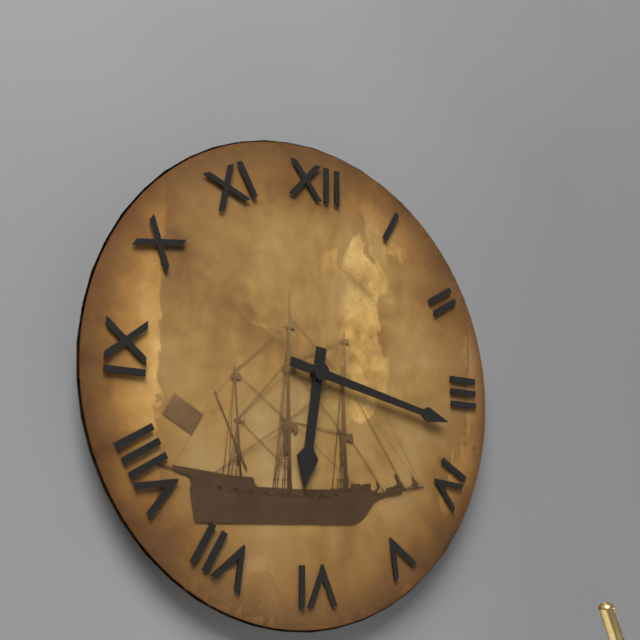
6:17
